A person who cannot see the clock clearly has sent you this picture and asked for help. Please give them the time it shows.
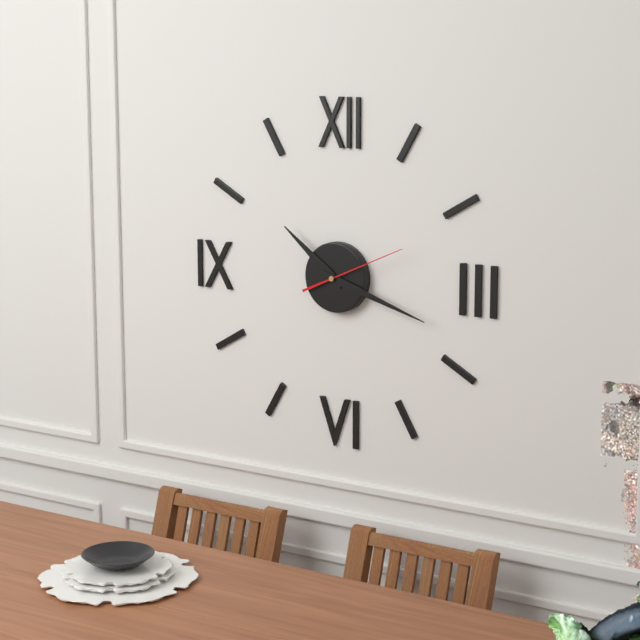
10:18:11
